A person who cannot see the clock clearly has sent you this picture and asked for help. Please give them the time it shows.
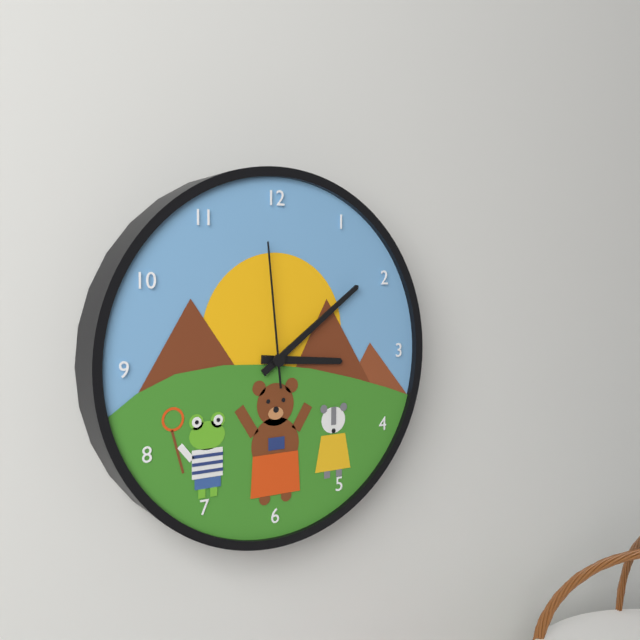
3:09:59
